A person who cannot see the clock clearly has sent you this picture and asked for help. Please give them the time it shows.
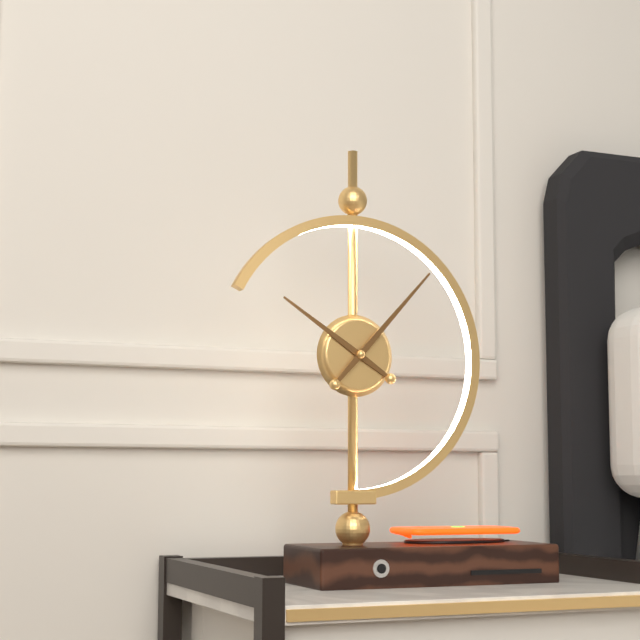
10:07
